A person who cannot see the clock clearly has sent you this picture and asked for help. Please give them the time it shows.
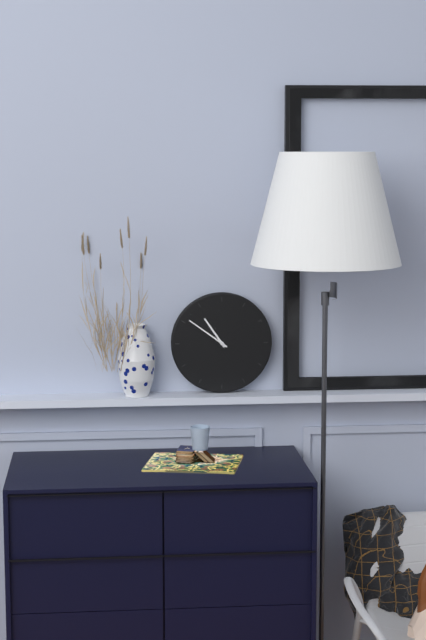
10:51
